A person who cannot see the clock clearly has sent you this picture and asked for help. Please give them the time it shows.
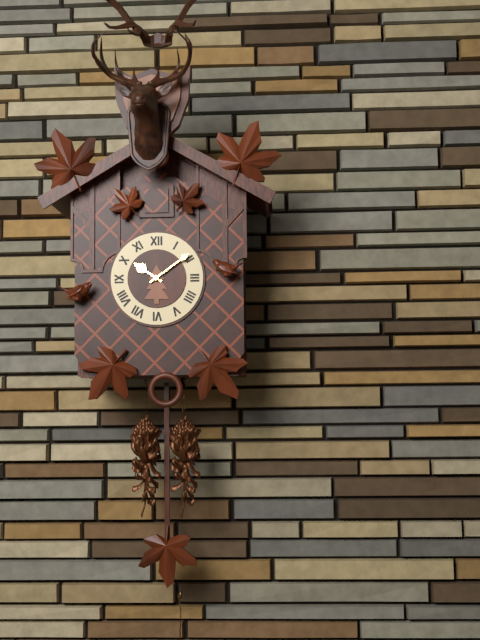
10:09
